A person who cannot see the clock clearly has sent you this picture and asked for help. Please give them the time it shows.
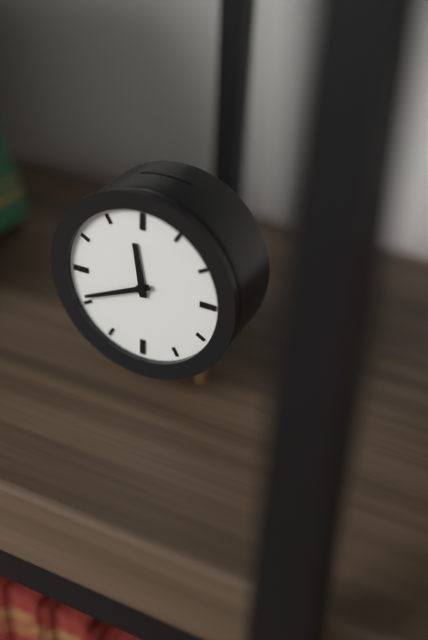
11:41
